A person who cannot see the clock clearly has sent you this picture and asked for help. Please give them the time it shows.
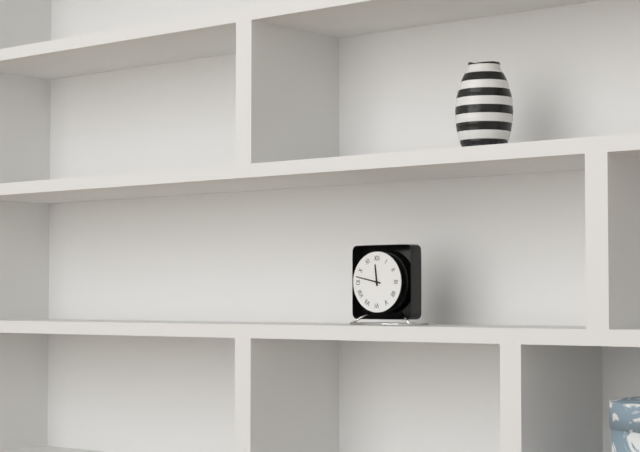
11:47
